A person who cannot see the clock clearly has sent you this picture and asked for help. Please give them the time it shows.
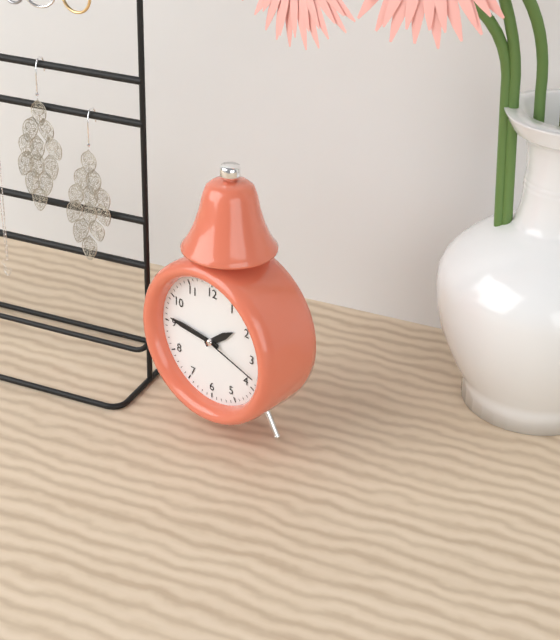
1:46:18
